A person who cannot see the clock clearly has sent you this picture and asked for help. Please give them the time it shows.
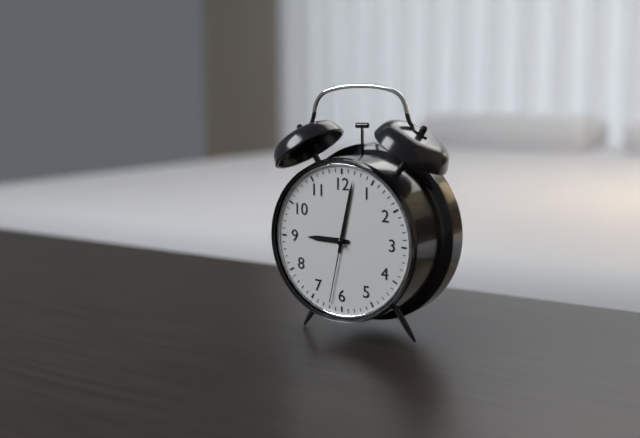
9:02:32
